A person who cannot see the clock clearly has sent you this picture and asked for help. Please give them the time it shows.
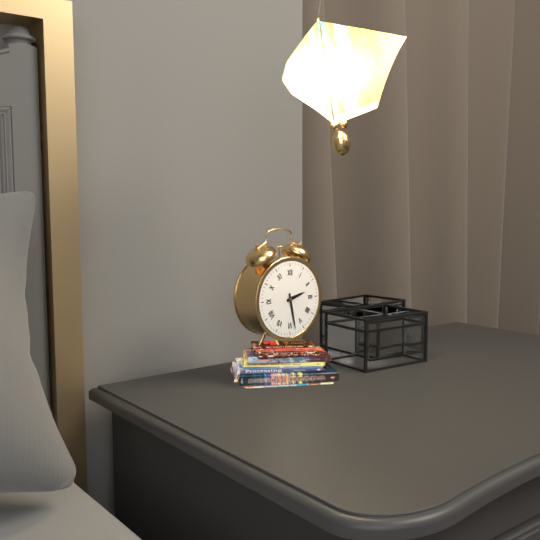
2:28
